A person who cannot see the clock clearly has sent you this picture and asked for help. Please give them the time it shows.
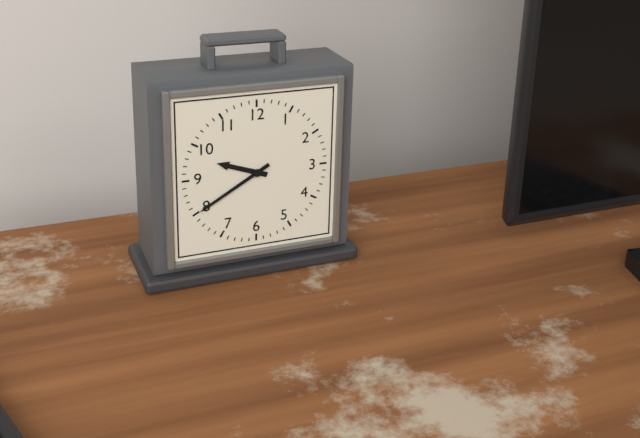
9:40
